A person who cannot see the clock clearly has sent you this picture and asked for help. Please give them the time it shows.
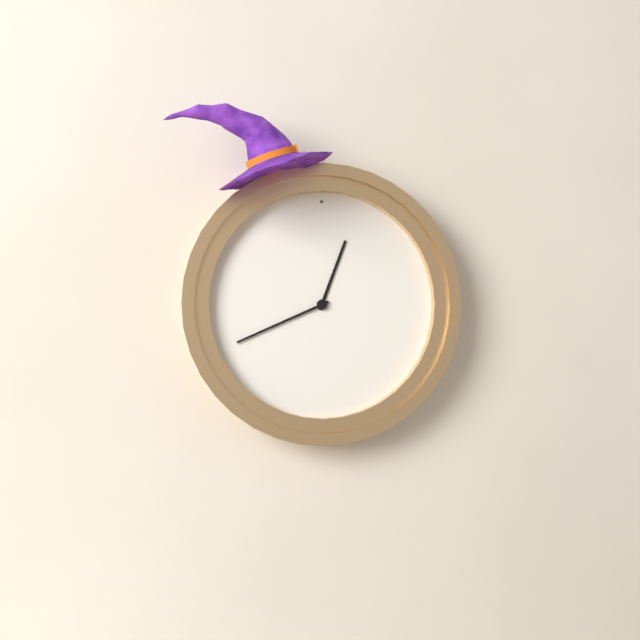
12:41
